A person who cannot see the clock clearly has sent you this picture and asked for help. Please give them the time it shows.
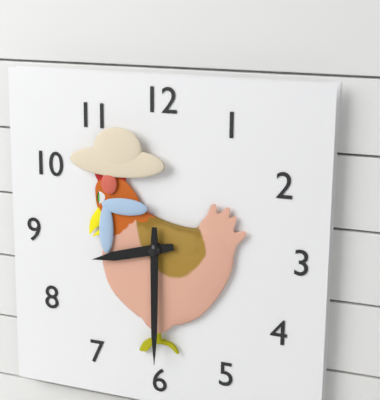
8:30
